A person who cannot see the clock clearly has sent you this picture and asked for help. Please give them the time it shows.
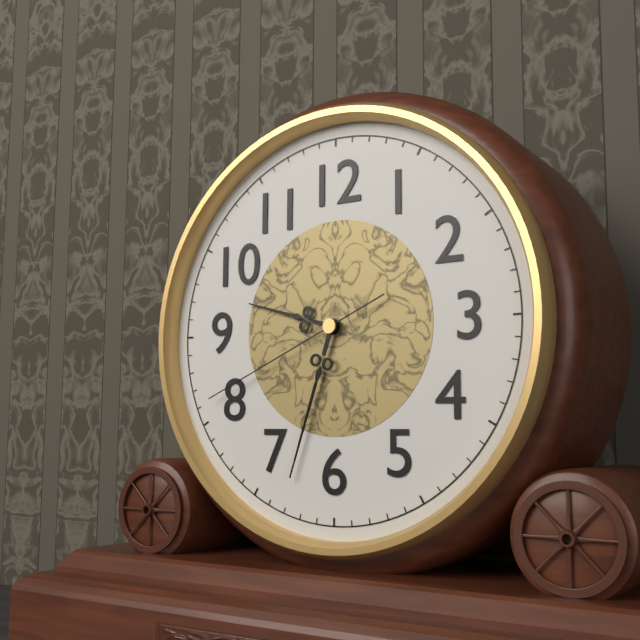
9:33:41
